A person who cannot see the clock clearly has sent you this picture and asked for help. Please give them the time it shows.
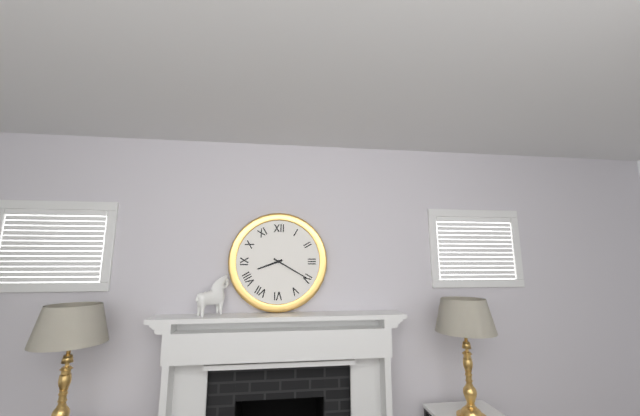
8:20
